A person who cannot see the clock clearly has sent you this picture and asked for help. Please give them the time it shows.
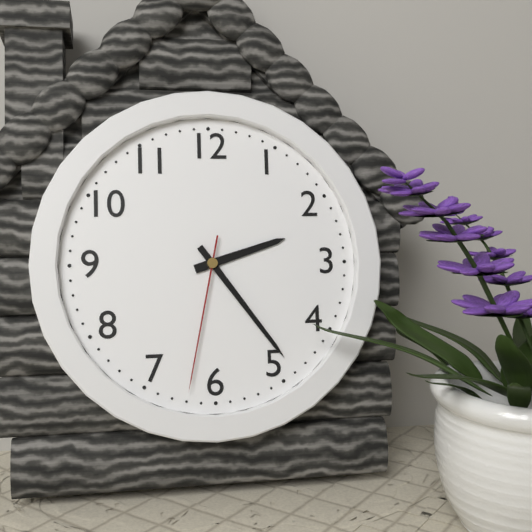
2:24:32
